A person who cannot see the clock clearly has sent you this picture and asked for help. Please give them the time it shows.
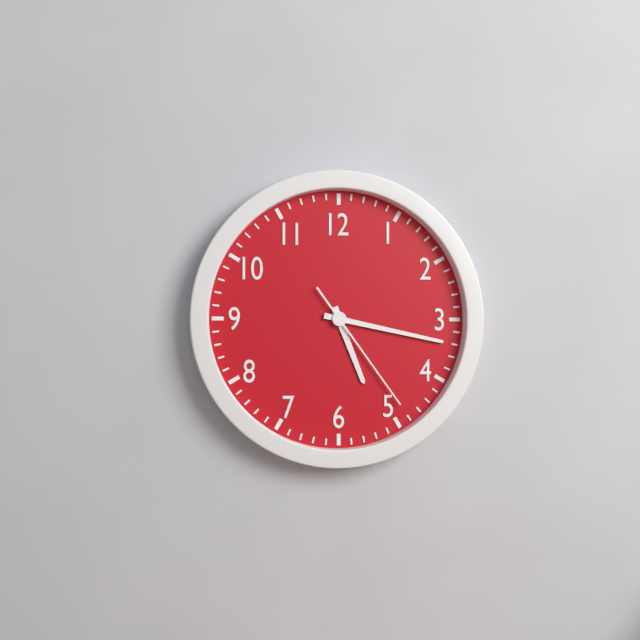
5:17:24
